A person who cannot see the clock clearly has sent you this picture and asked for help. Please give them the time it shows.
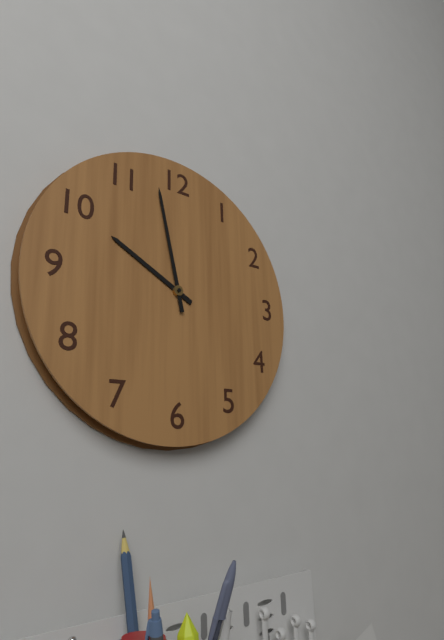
9:58
